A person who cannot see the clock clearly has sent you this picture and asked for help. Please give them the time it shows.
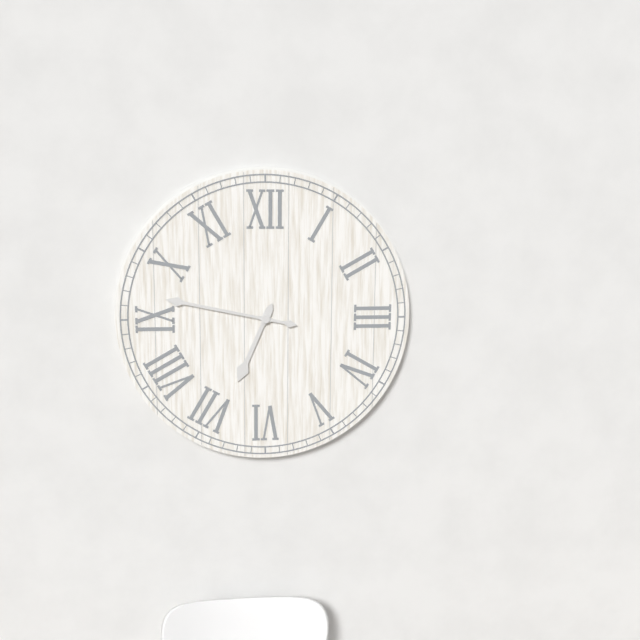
6:47
